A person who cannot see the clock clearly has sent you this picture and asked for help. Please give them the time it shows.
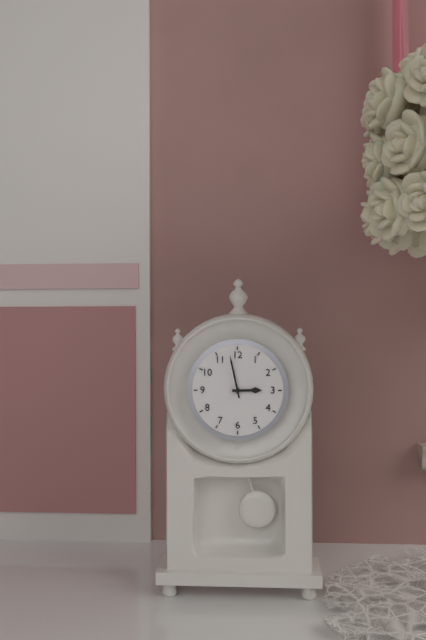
2:58
